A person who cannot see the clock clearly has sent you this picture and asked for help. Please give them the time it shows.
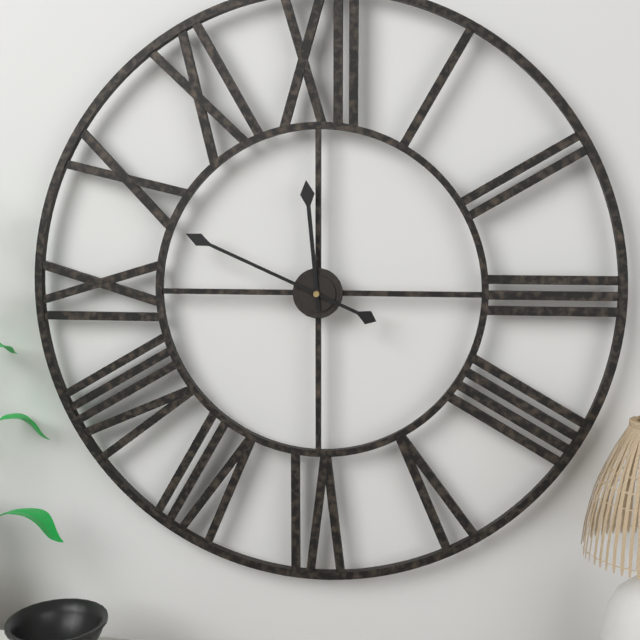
11:49
